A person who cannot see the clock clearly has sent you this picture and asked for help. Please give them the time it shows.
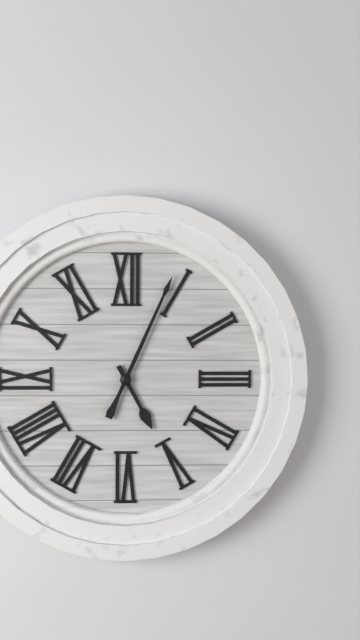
5:04
